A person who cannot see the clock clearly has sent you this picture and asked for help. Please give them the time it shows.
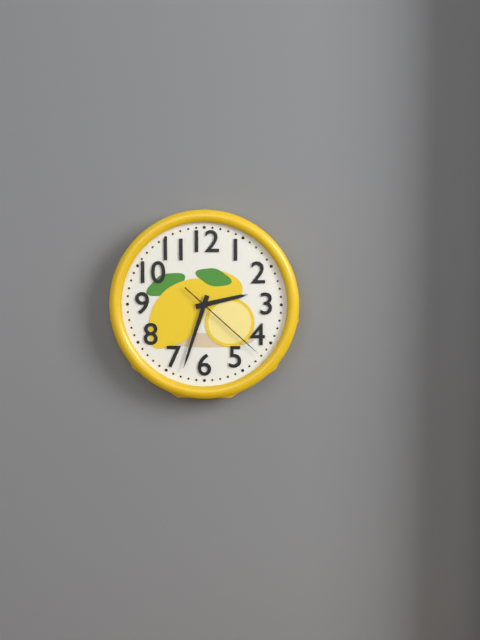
2:33:22
